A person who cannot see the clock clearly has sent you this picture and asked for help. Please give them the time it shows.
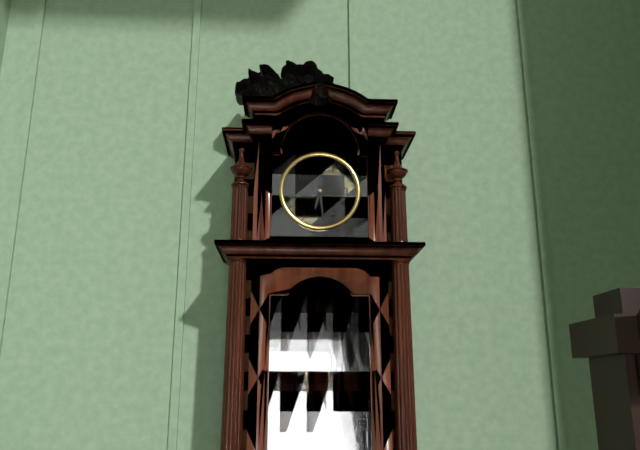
6:29
